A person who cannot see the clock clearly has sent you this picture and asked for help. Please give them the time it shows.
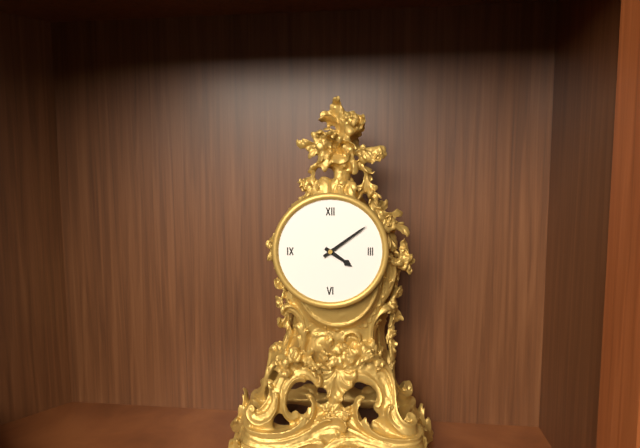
4:09
